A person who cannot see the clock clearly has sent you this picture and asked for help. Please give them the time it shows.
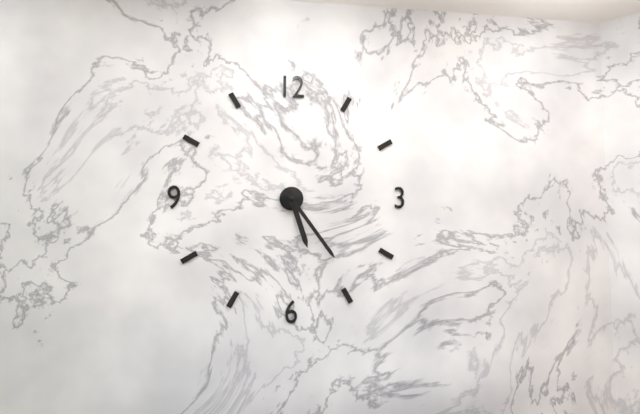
5:24
